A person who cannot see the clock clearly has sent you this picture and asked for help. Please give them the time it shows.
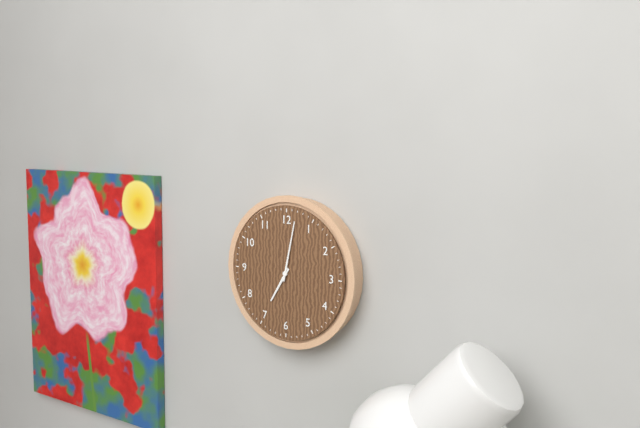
7:02
